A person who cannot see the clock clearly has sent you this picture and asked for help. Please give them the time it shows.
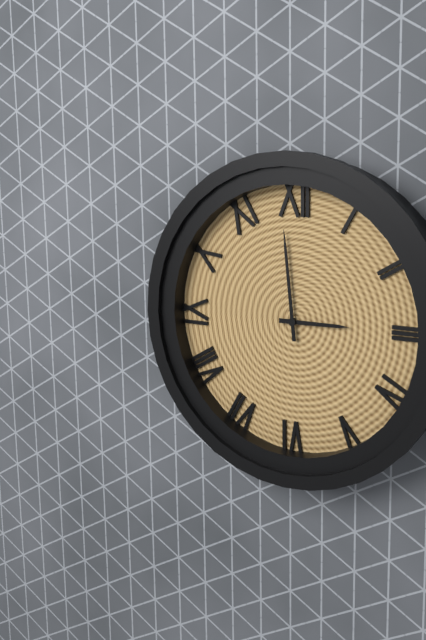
2:59
